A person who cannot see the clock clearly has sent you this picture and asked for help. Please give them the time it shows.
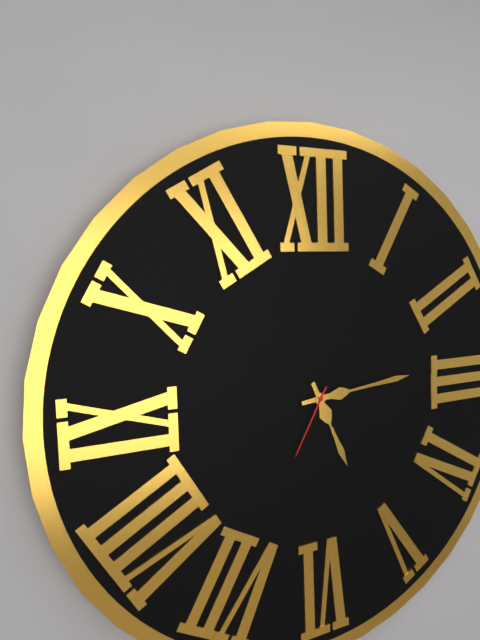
5:14:35
